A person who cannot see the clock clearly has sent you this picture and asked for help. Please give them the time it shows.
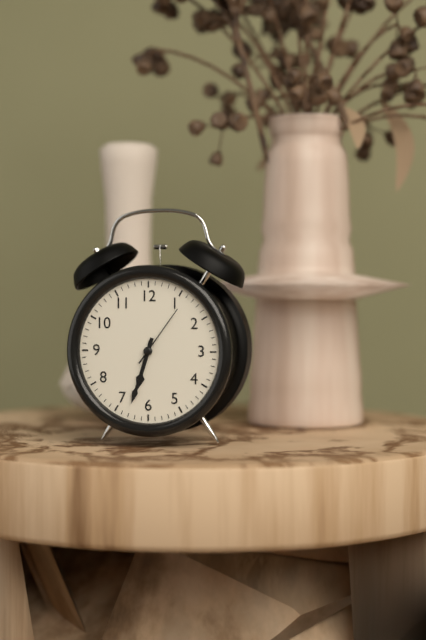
6:33:06
